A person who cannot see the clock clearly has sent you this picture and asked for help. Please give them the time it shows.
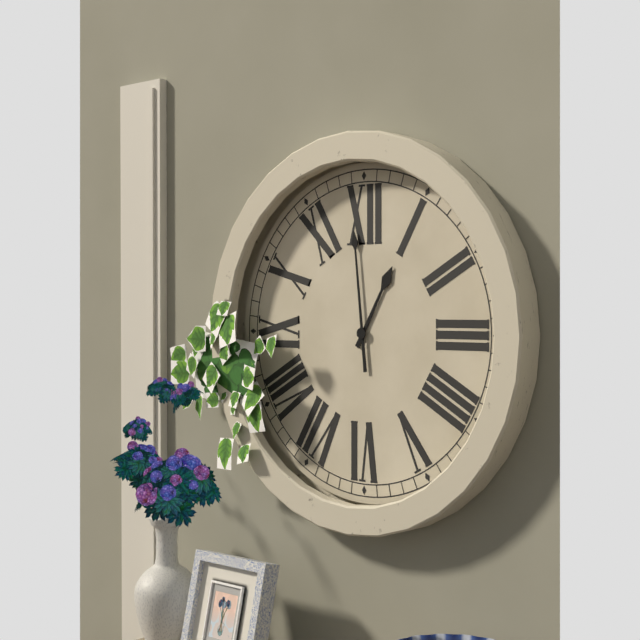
12:59
